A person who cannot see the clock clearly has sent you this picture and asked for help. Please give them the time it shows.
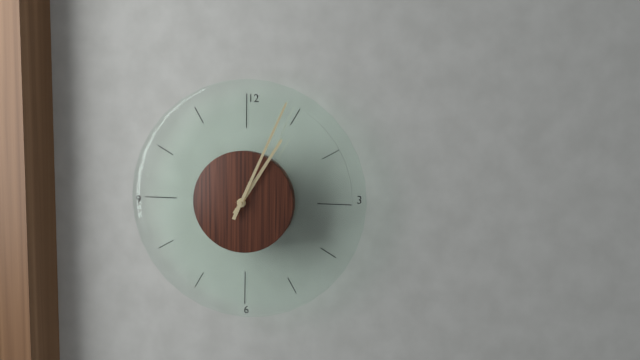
1:04
